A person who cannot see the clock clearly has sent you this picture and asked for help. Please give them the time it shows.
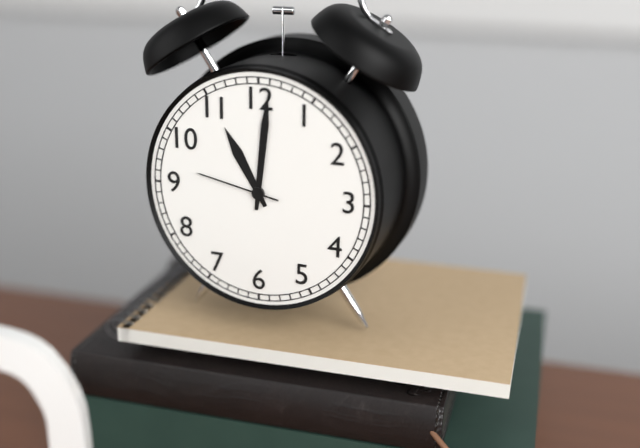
11:01:47
